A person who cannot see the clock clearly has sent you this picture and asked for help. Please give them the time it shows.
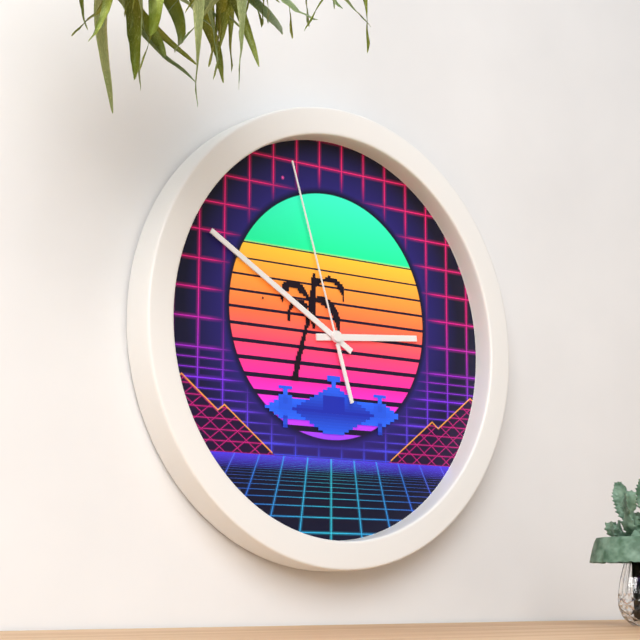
2:50:57
